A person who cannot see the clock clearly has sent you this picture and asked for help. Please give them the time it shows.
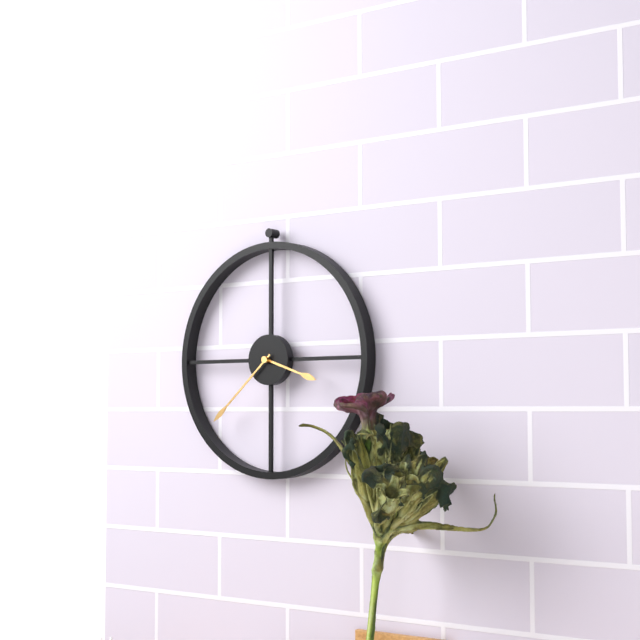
3:38
